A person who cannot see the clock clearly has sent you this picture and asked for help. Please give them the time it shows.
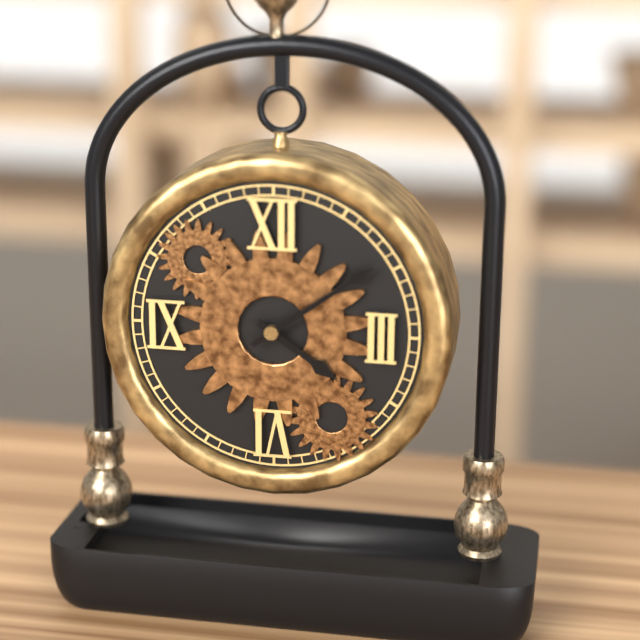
4:09
